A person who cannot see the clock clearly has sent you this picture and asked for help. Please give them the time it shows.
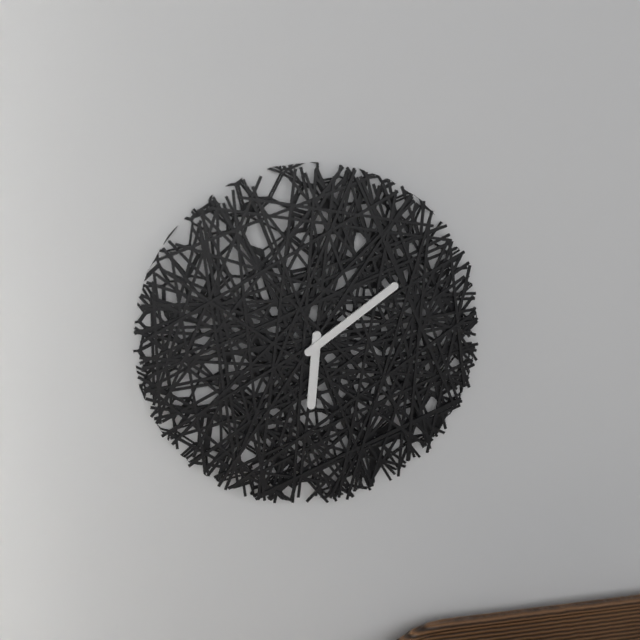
6:09
